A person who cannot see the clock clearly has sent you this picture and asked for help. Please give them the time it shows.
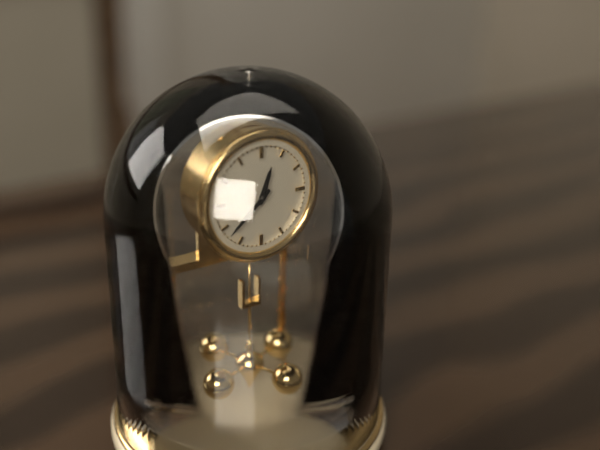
12:38
